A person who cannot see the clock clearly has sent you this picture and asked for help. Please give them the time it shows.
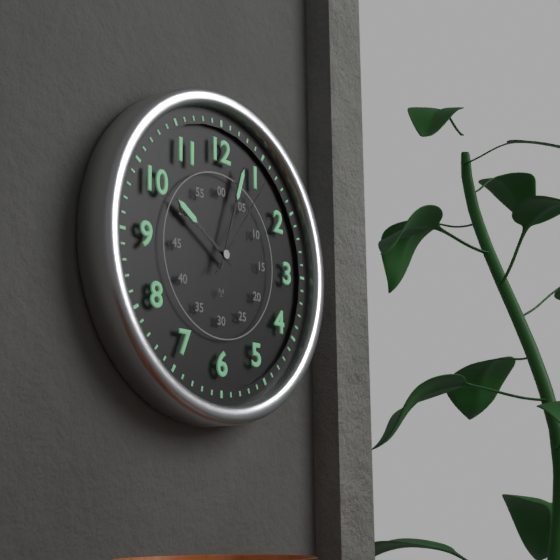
10:03:06
